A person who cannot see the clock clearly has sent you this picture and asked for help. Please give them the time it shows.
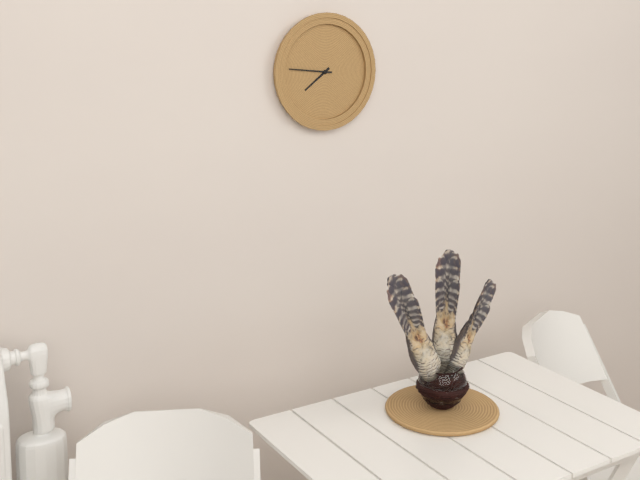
7:46
